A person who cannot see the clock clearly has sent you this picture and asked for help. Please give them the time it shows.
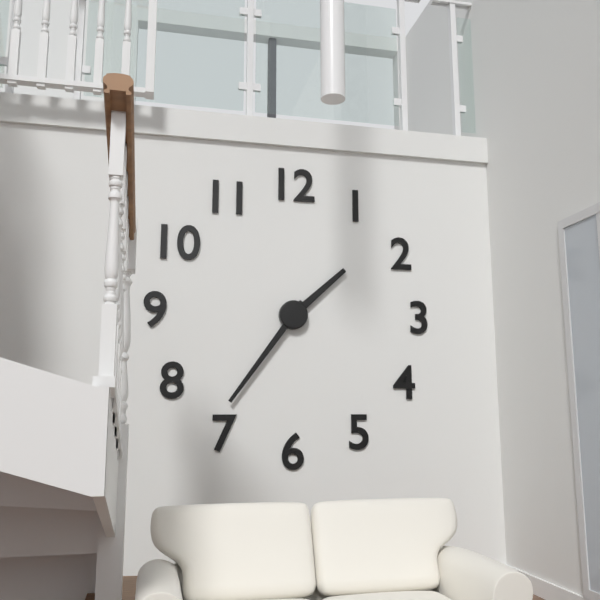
1:36
